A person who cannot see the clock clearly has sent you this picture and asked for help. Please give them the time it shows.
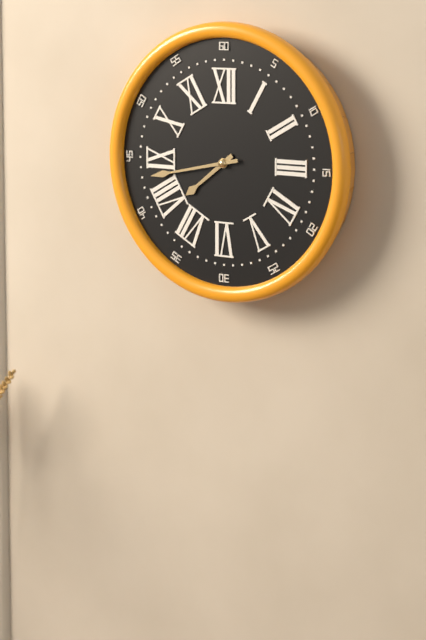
7:43
